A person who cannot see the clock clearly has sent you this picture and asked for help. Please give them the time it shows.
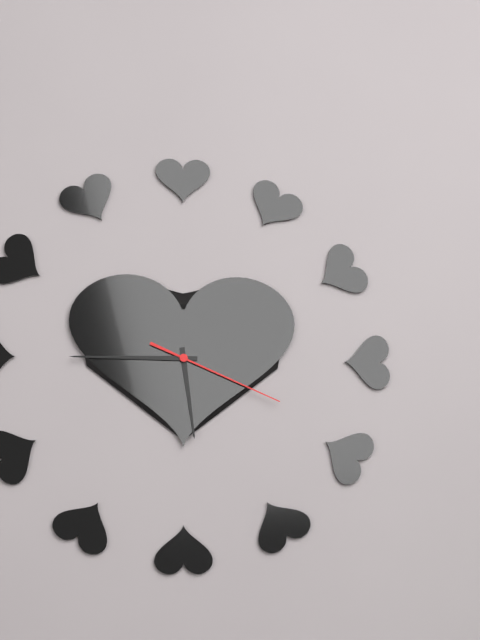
5:45:19
